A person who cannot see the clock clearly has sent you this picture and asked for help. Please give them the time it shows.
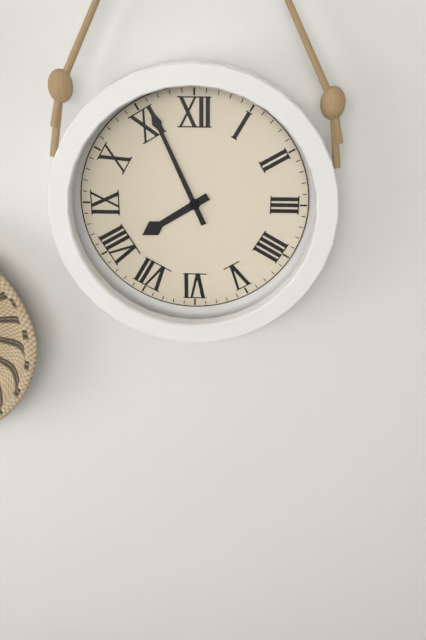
7:56
